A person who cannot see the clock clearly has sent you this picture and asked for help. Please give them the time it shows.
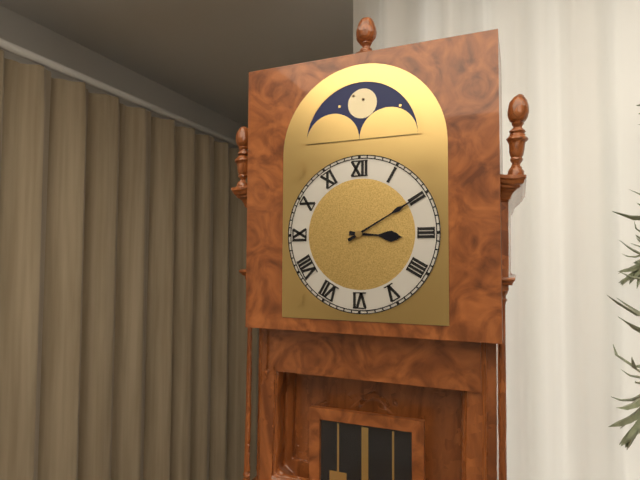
3:10
